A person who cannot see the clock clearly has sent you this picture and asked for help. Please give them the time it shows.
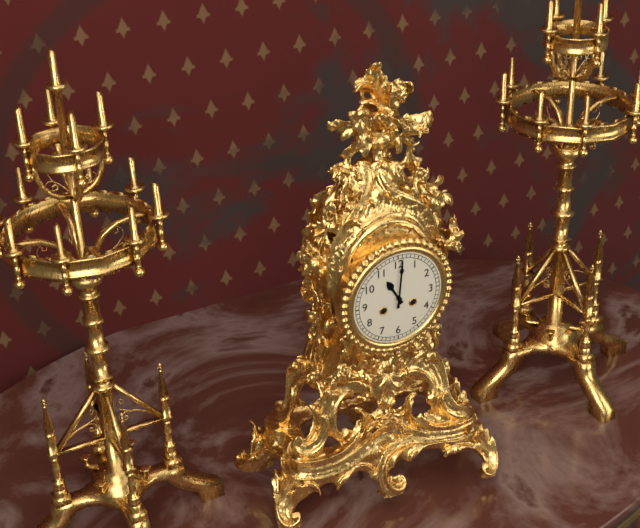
11:01
